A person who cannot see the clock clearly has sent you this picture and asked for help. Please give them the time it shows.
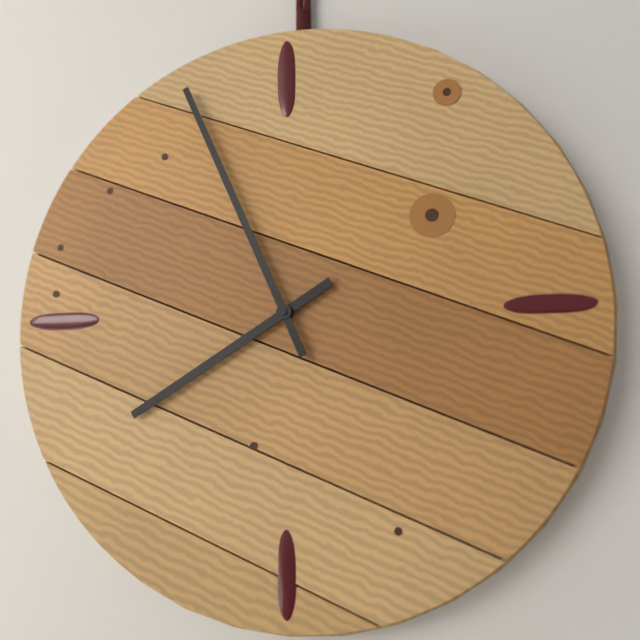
7:56
